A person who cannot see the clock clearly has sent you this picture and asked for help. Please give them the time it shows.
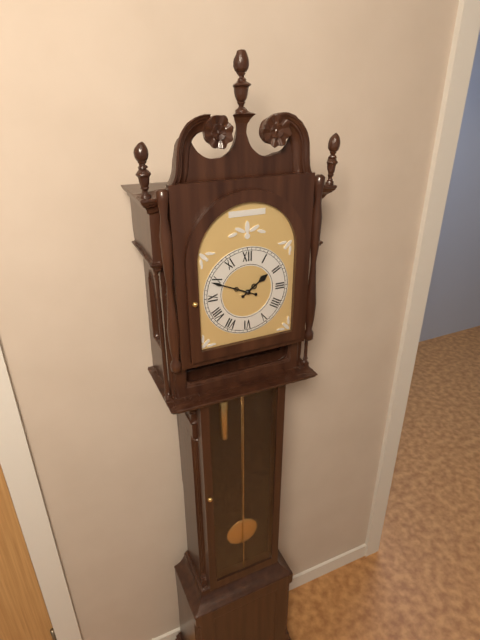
1:49
